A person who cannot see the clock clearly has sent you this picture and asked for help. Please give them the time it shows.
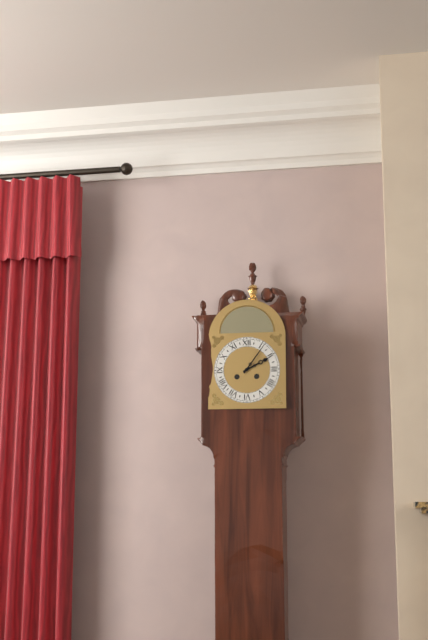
2:06
